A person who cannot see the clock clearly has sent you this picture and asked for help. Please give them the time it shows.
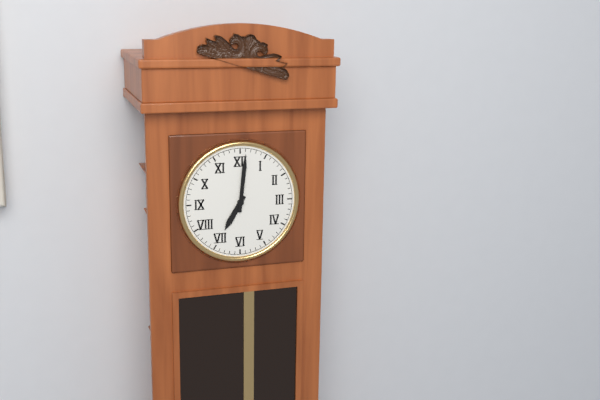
7:01
